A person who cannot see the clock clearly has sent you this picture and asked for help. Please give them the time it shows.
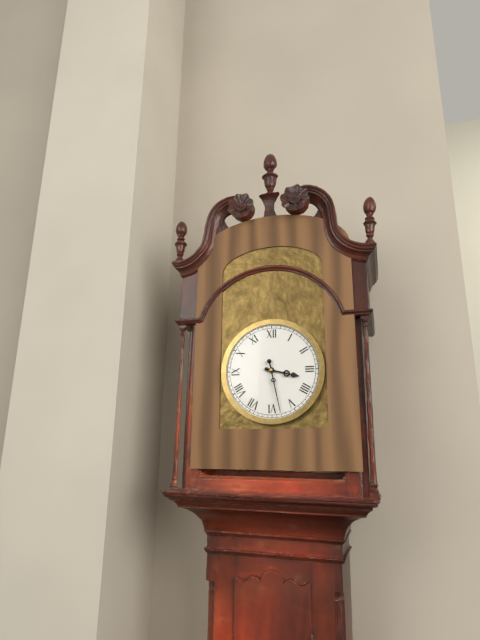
3:28
